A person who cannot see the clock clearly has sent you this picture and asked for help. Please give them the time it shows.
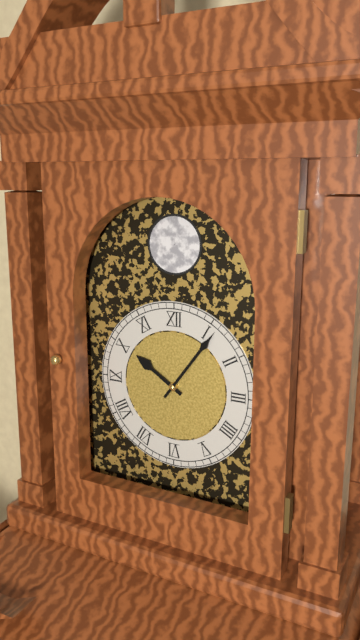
10:06
